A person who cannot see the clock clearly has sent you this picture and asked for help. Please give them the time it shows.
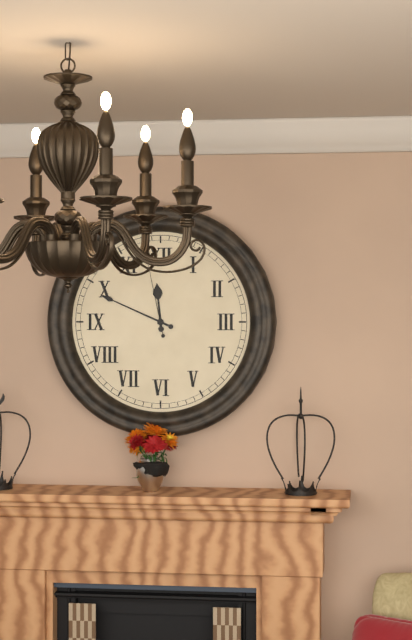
11:49:58
